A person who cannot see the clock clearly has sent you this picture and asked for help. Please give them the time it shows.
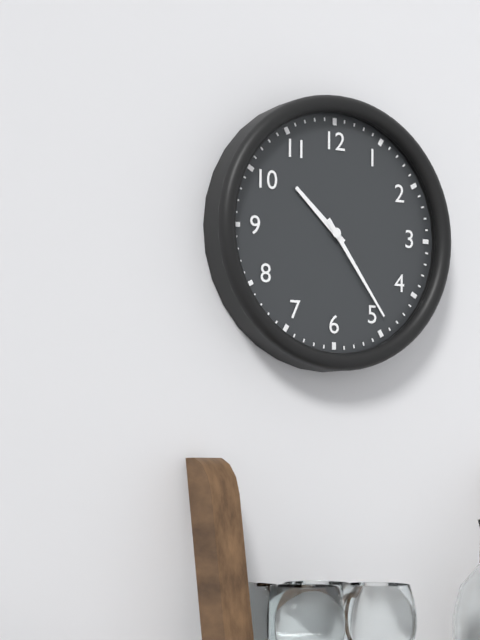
10:24
